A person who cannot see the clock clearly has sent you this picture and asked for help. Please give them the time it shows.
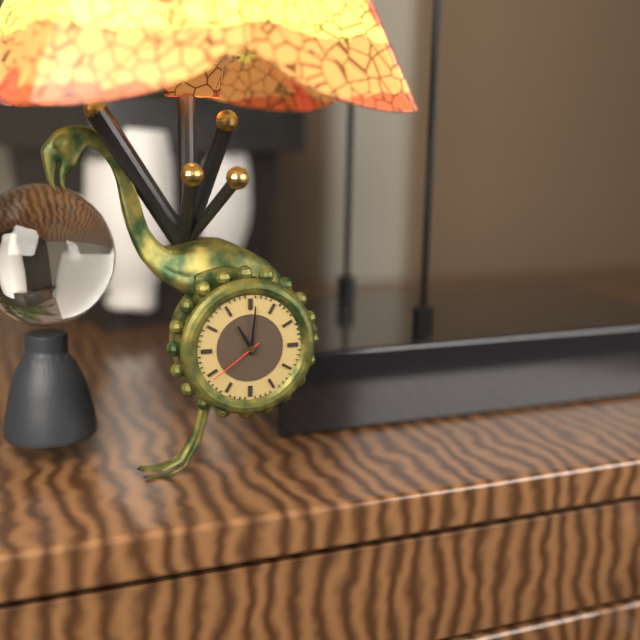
11:01:39
